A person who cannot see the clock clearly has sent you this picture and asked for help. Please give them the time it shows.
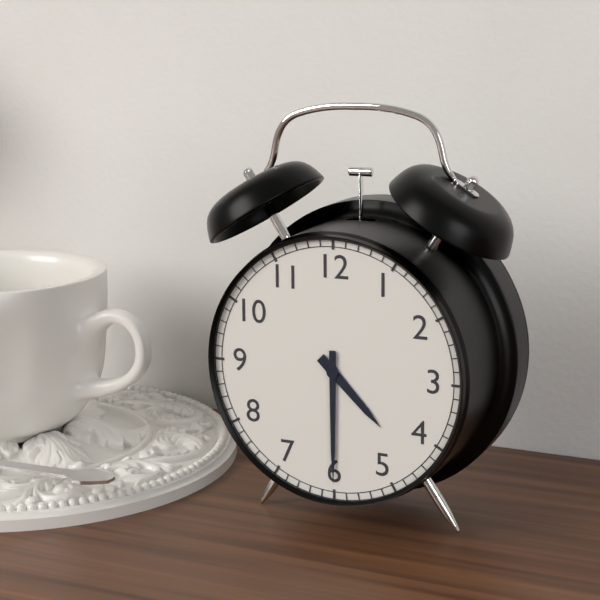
4:30
